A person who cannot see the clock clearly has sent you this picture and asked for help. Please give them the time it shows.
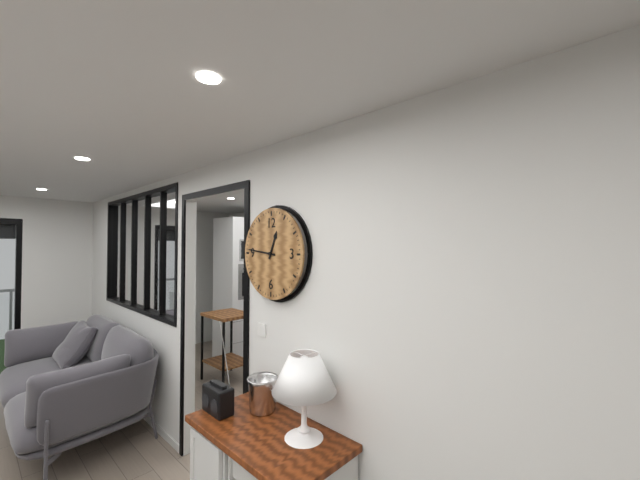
12:46
